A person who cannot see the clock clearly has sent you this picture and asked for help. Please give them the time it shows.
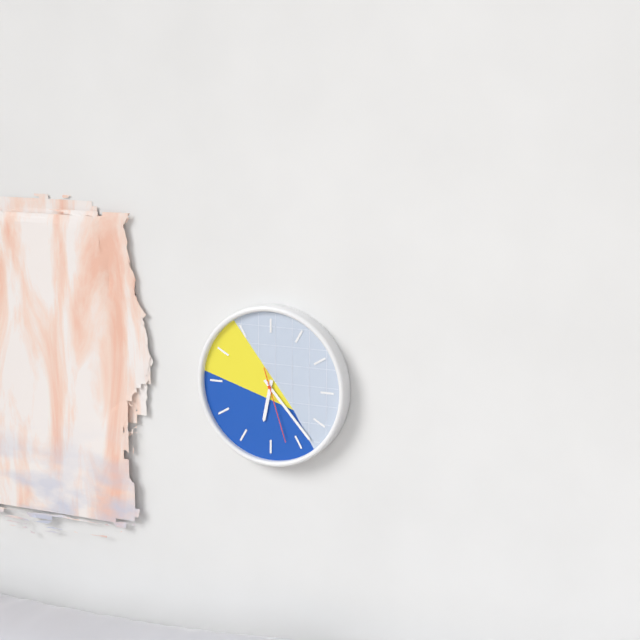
6:23:27
